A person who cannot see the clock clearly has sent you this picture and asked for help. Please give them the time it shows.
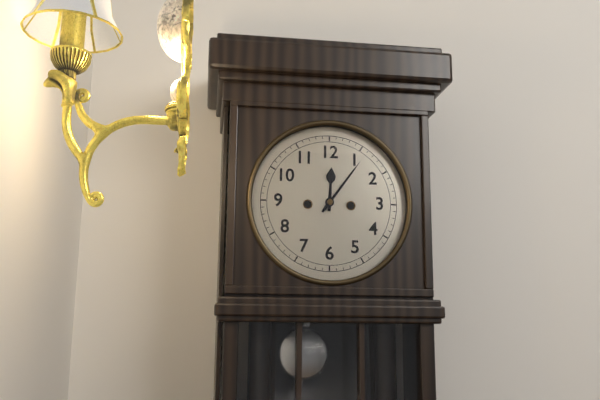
12:06
